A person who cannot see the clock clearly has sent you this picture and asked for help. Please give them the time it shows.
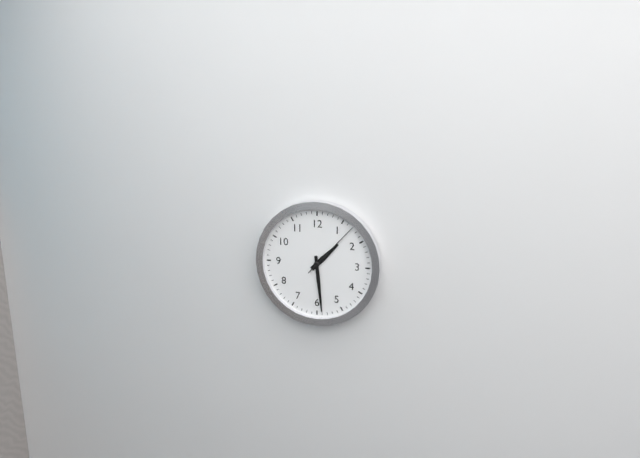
1:29:07
